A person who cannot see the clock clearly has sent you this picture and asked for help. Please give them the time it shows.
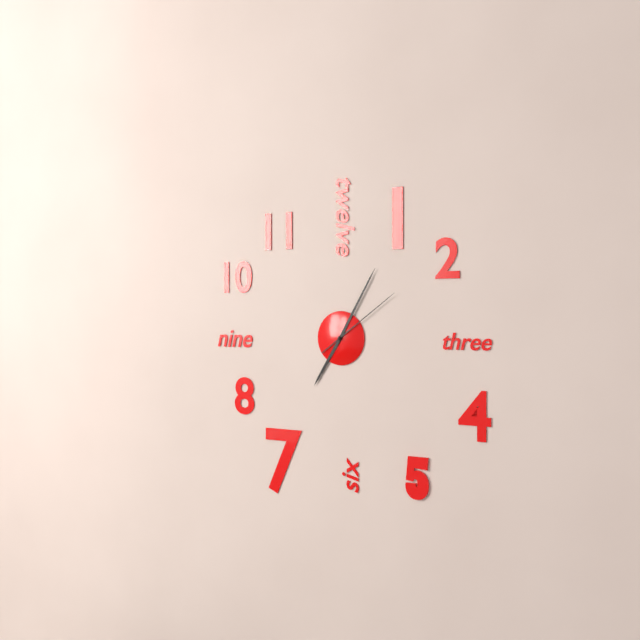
7:05:09
